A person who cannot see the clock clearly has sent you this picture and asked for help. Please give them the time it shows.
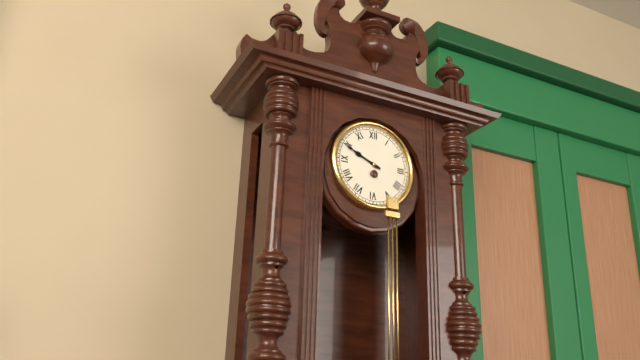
9:49
